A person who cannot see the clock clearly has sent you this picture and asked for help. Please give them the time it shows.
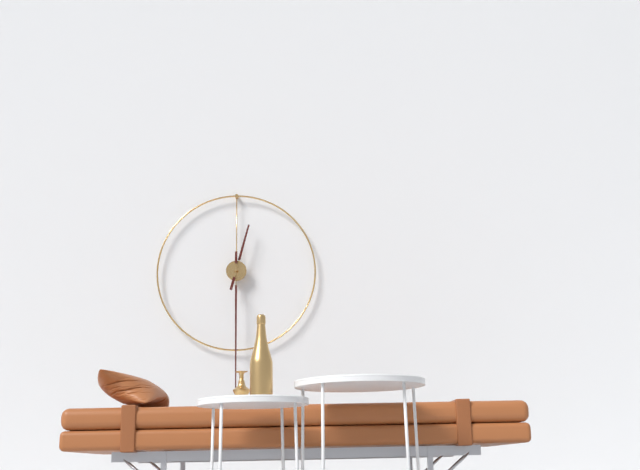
12:30
